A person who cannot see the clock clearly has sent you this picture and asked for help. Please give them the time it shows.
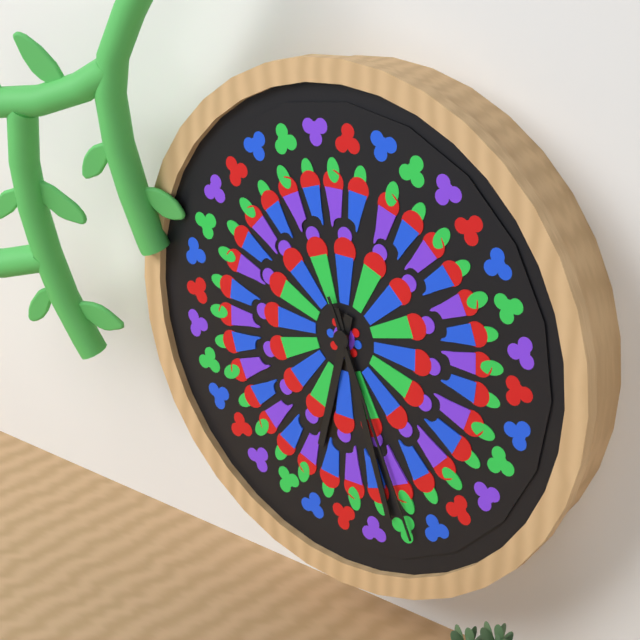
6:27:26
